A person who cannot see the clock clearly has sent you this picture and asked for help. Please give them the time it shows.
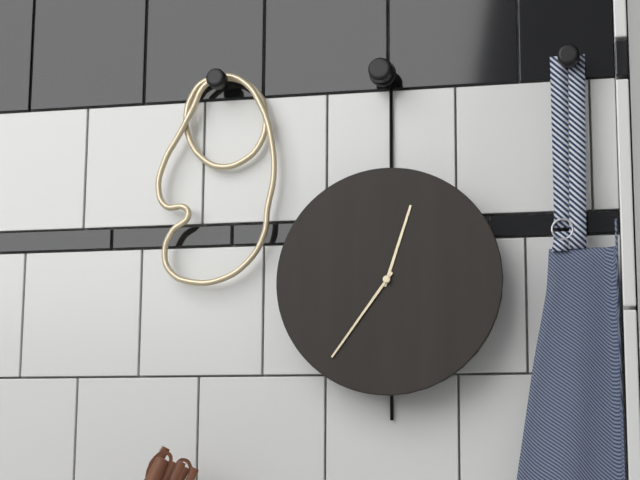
12:36
